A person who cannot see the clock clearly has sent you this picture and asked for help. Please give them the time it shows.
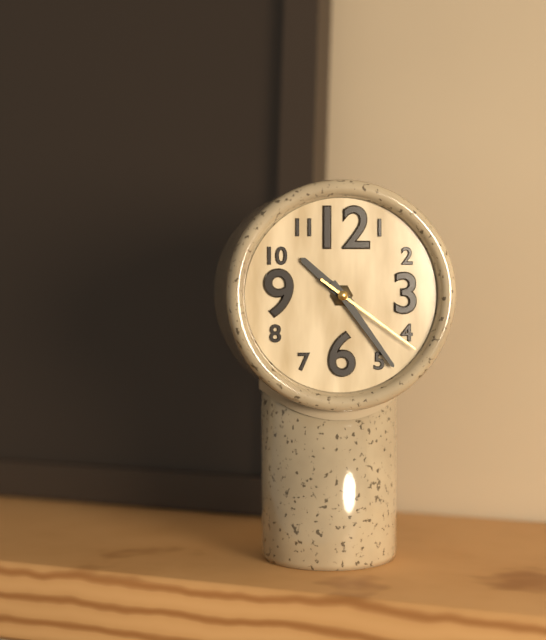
10:24:21
